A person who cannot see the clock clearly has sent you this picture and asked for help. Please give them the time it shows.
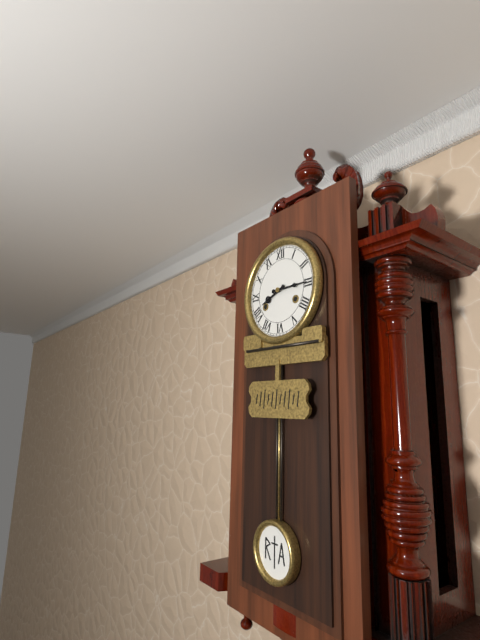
8:15
